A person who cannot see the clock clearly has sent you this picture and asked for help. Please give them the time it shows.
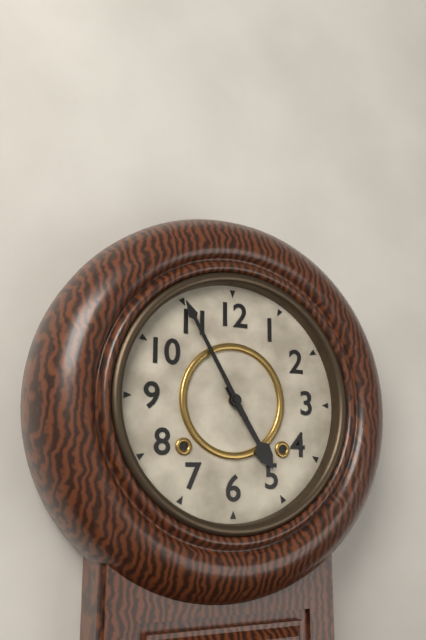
4:55
